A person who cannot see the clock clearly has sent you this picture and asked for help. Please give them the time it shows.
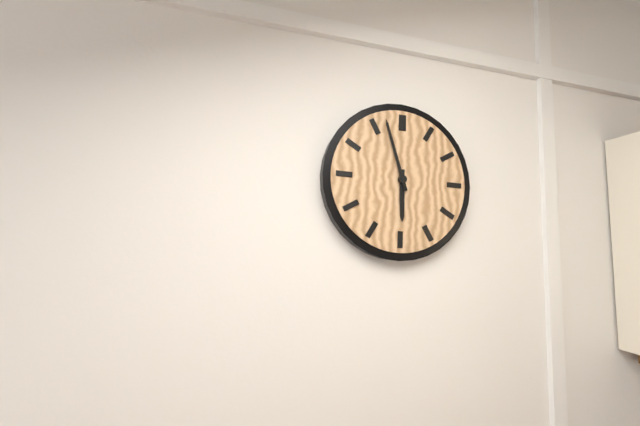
5:57
